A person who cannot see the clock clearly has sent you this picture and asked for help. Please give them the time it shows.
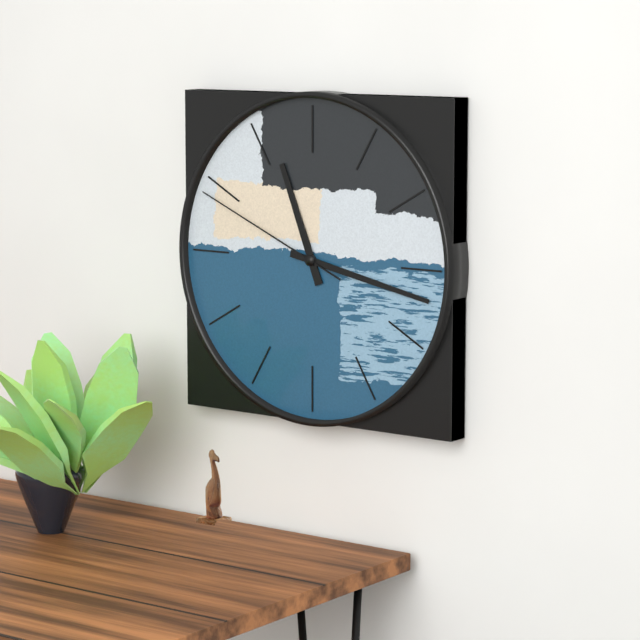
11:17:49
